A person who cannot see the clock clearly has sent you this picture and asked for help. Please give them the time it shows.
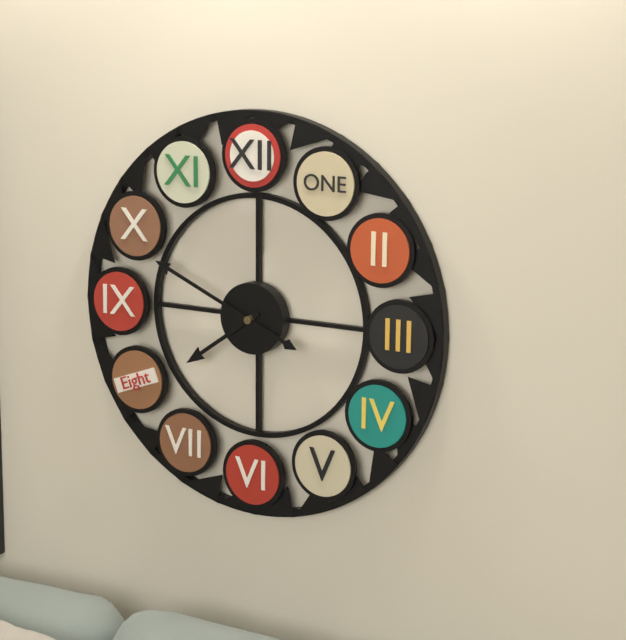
7:49
